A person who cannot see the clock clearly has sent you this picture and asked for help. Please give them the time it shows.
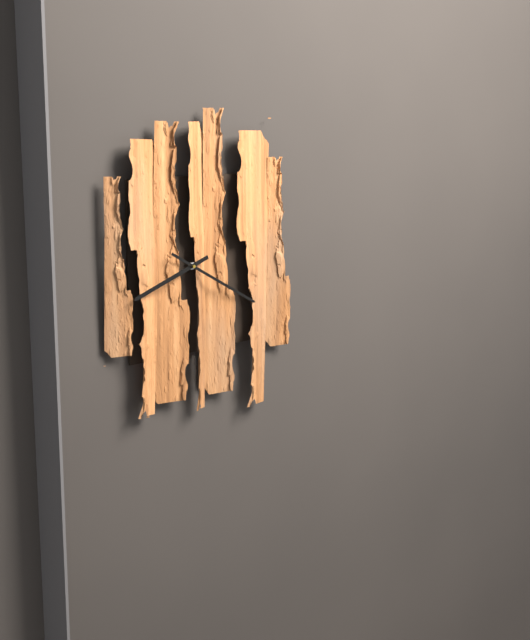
8:20
